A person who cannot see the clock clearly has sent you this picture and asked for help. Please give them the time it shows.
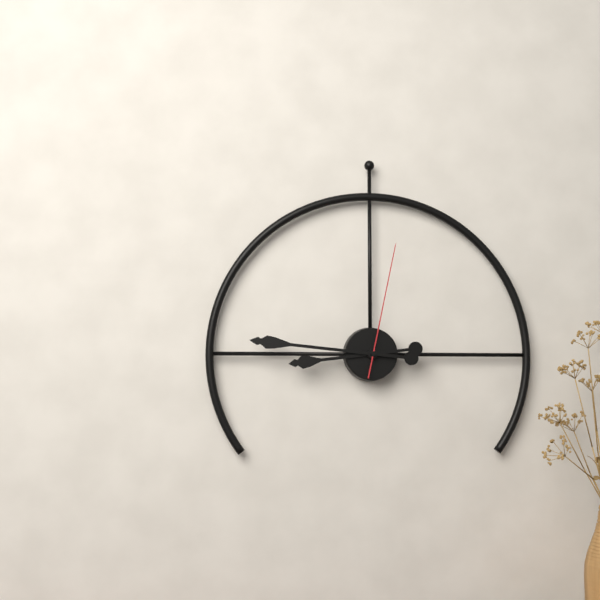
8:46:02
